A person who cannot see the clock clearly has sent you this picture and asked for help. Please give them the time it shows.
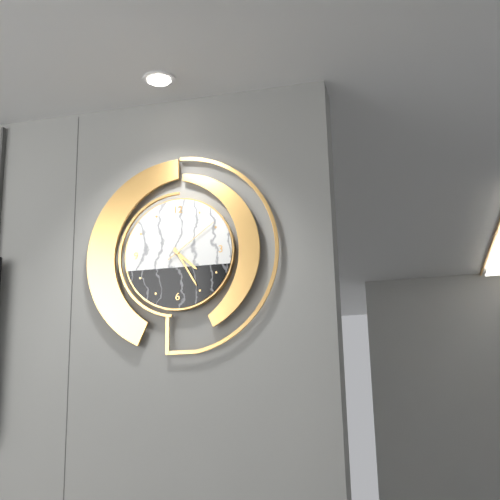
4:25:09
